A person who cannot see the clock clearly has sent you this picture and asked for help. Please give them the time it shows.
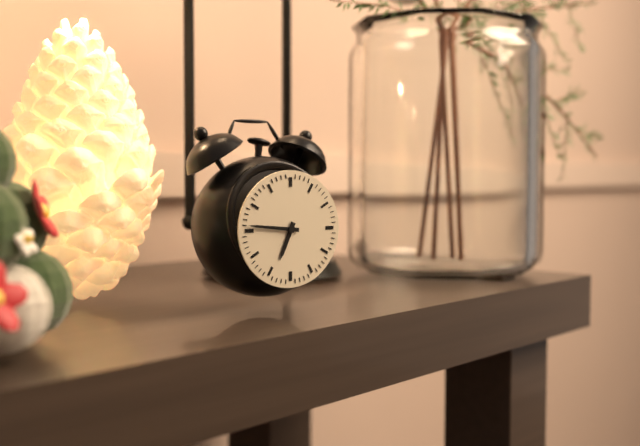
6:46
